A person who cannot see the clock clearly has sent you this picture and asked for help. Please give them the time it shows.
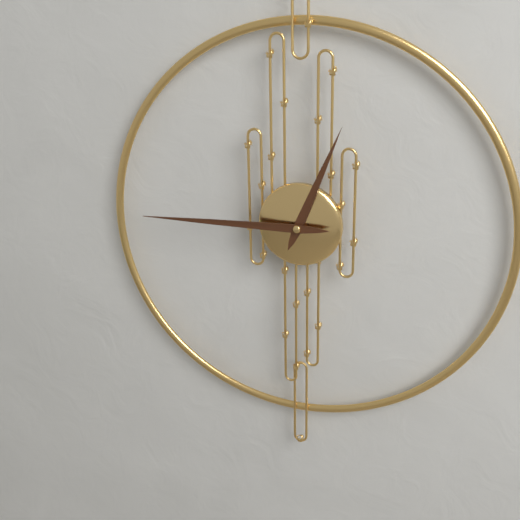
12:45
